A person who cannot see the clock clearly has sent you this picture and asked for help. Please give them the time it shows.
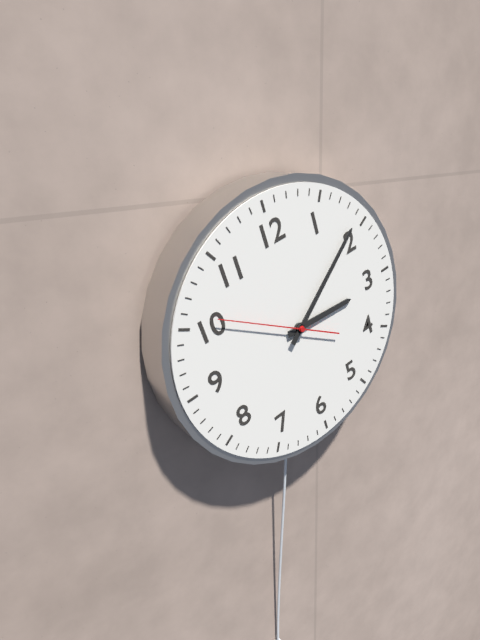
3:09:51
